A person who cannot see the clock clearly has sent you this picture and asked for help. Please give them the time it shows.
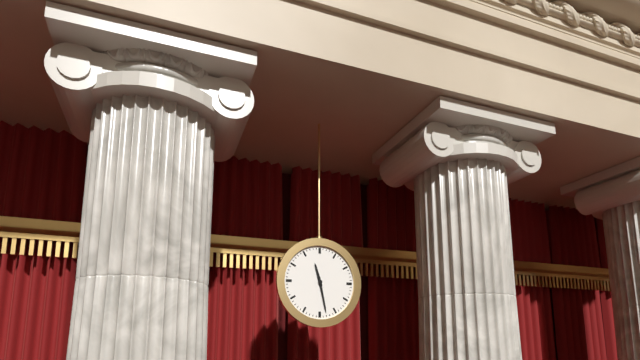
11:28
